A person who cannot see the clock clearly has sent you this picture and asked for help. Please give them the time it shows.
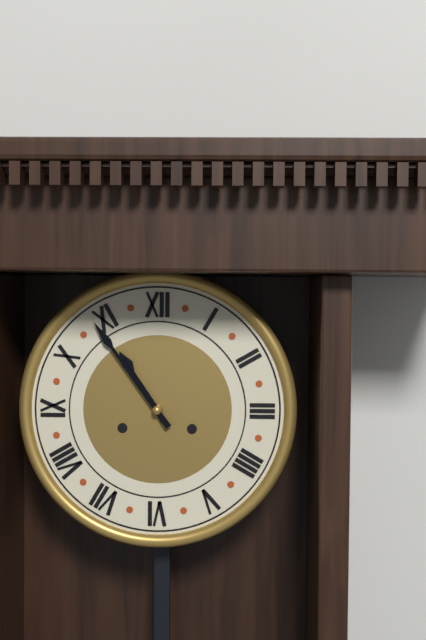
10:54
